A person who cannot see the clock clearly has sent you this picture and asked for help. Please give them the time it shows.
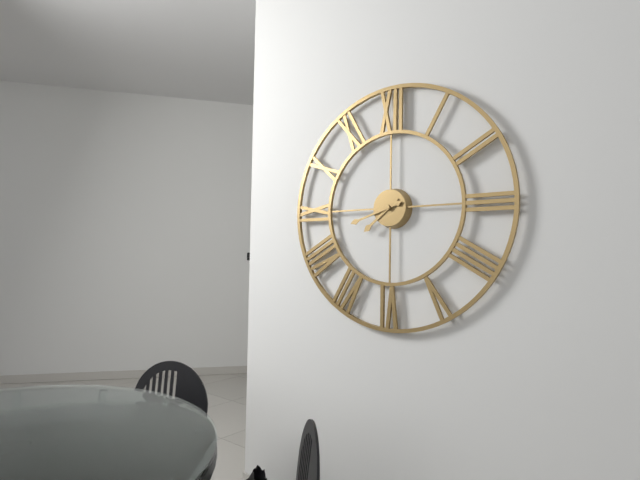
7:42
